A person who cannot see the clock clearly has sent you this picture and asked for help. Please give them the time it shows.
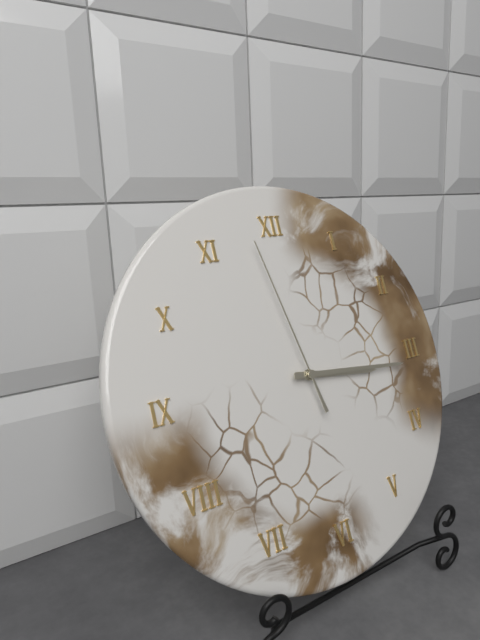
3:16:58
